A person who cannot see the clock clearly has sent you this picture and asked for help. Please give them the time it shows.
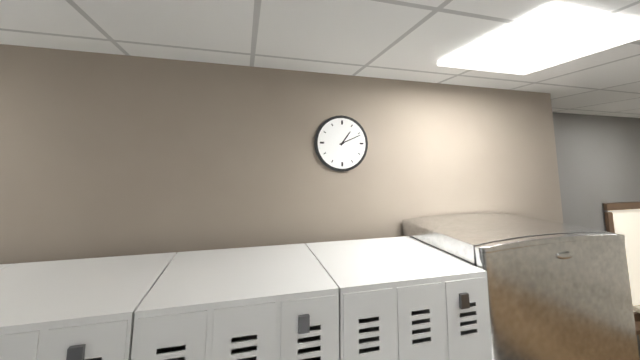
1:11
